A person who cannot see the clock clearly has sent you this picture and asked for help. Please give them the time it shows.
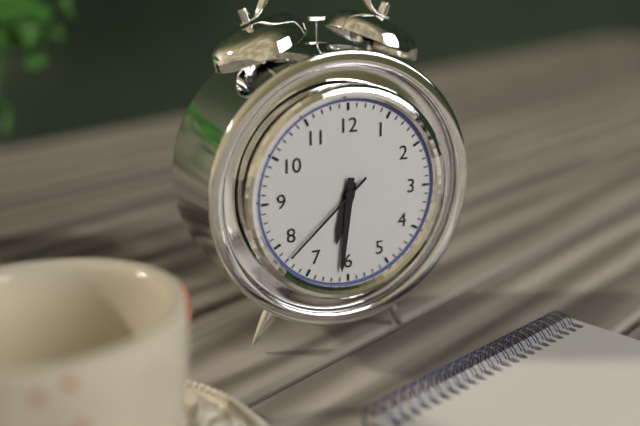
6:31:38
